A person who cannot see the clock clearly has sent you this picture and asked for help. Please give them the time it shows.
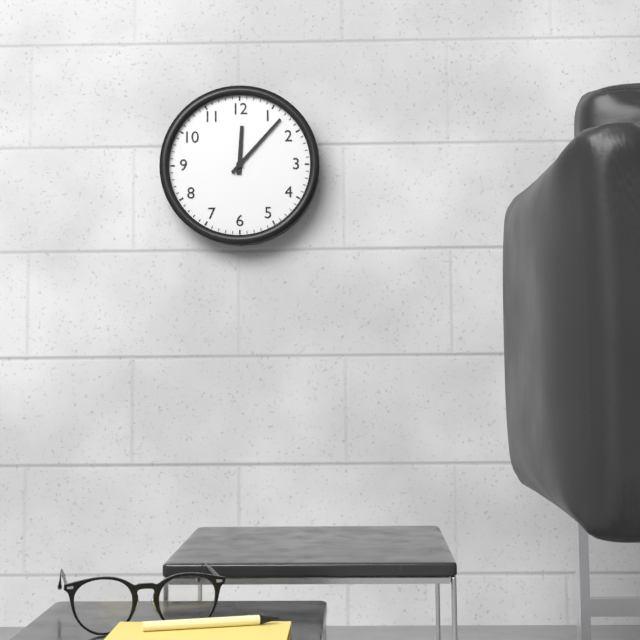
12:07
